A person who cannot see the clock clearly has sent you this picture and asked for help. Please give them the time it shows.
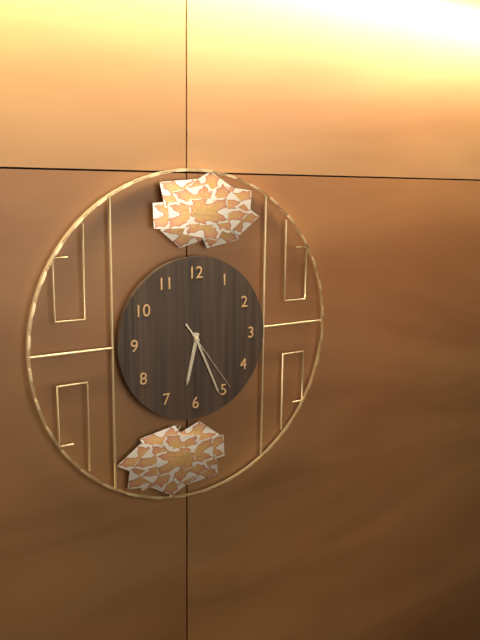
6:26:24
